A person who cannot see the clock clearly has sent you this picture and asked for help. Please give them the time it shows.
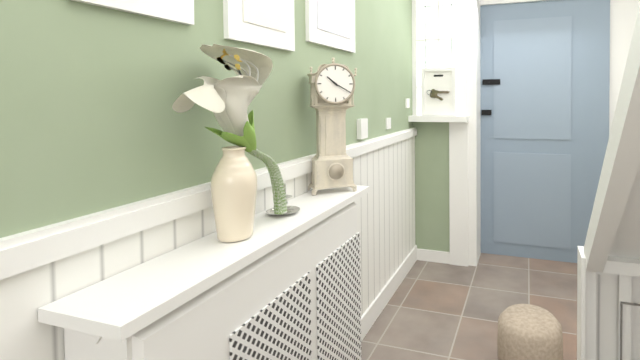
10:20
